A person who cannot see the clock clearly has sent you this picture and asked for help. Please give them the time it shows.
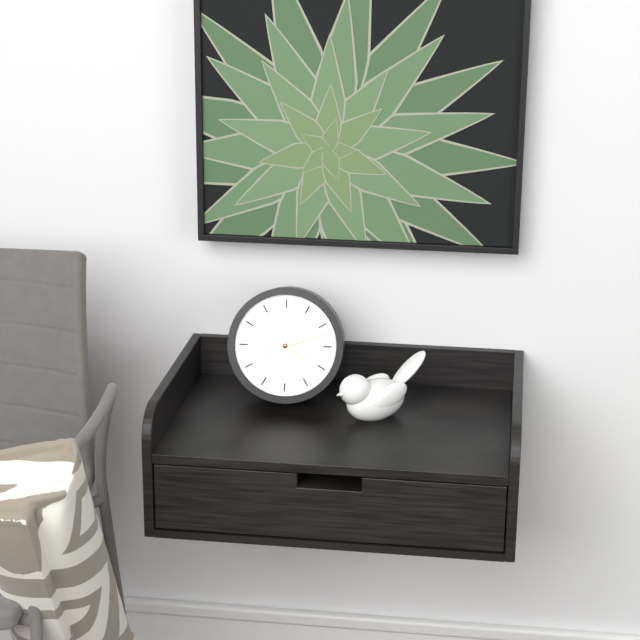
4:12
